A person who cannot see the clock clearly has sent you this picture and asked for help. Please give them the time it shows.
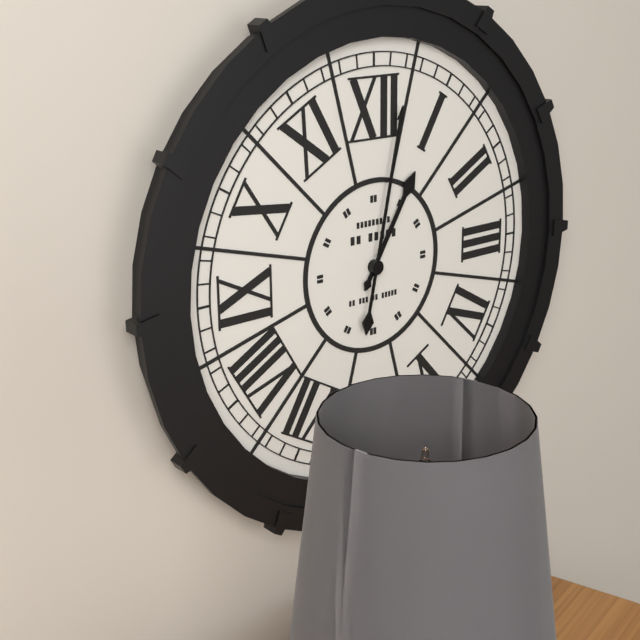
1:02
